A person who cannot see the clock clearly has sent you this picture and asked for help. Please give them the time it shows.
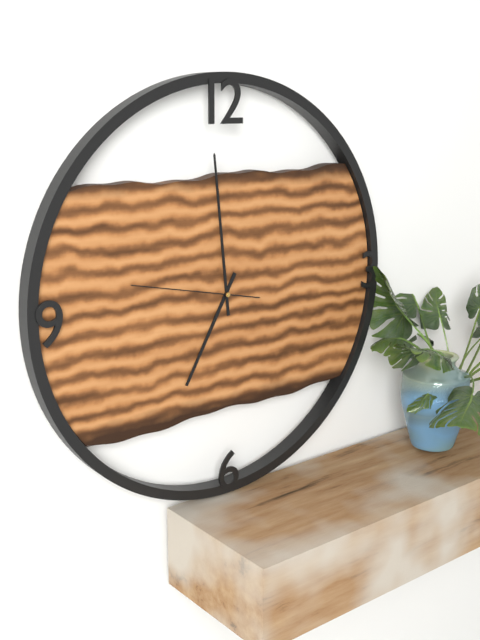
6:59:47
